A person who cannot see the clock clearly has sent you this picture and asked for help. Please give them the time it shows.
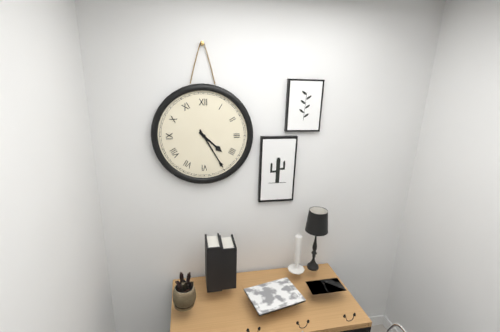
4:25
